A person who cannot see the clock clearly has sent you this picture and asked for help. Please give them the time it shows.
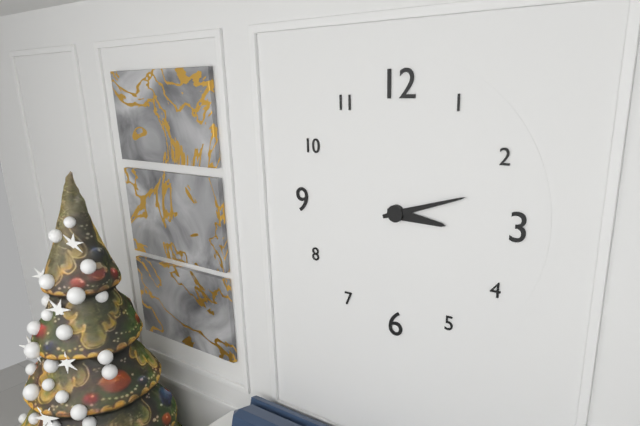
3:12
